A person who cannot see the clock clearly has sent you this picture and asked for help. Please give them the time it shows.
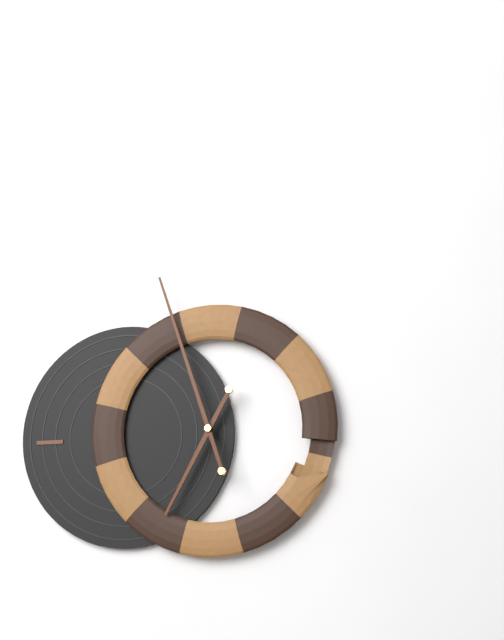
6:57
